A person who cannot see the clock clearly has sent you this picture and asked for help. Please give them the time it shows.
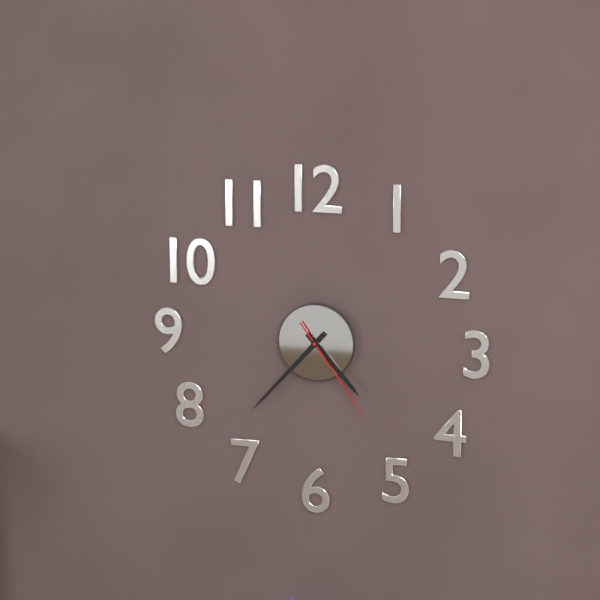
4:37:24
